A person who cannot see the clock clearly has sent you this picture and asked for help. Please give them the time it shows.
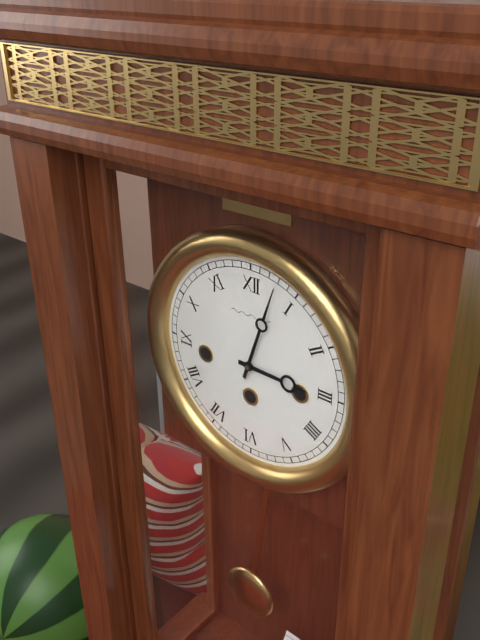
3:03
